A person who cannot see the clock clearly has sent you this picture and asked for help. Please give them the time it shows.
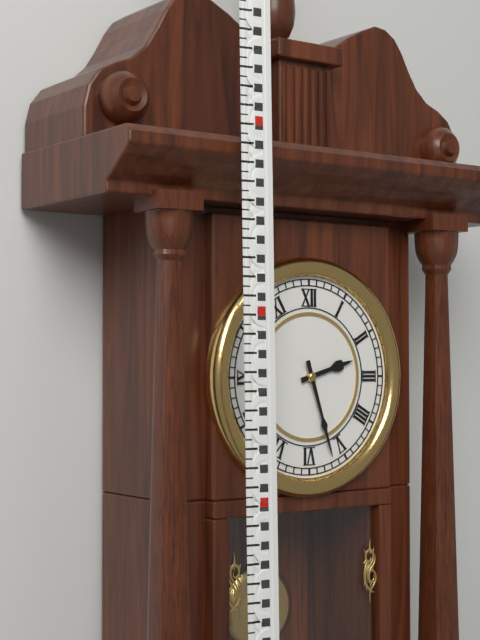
2:27
